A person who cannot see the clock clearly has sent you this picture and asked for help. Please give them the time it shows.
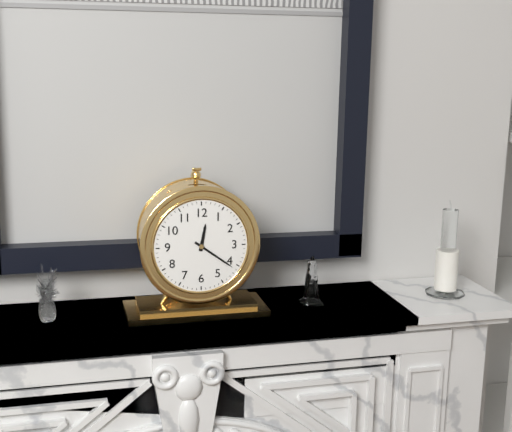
12:21
